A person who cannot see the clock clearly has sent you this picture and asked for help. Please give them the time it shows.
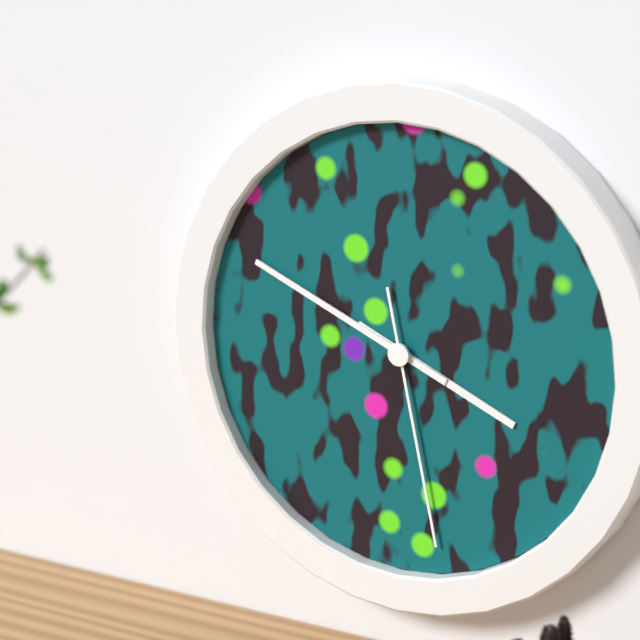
3:49:28
